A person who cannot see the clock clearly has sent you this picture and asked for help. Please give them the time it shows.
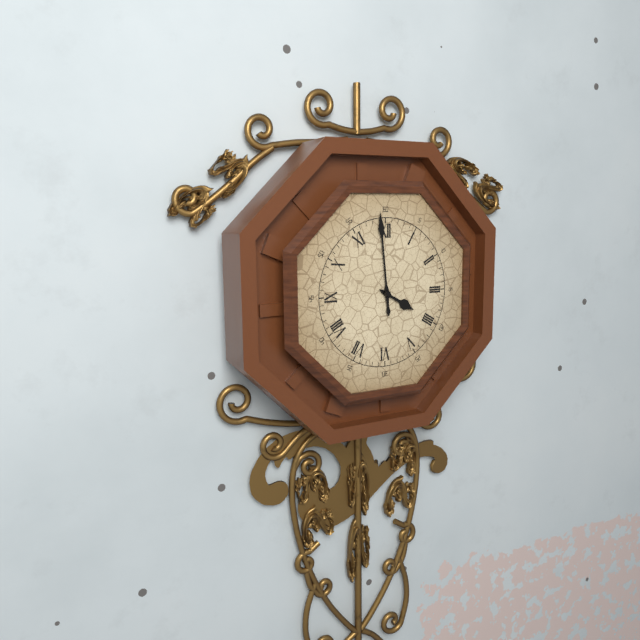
3:59
